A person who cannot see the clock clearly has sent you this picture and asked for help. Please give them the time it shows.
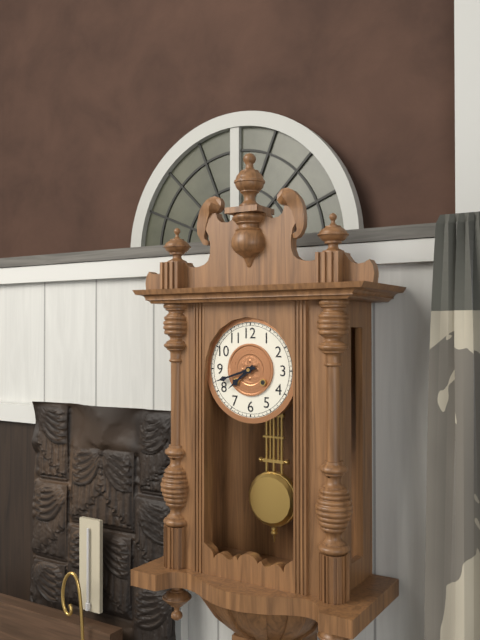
7:42
